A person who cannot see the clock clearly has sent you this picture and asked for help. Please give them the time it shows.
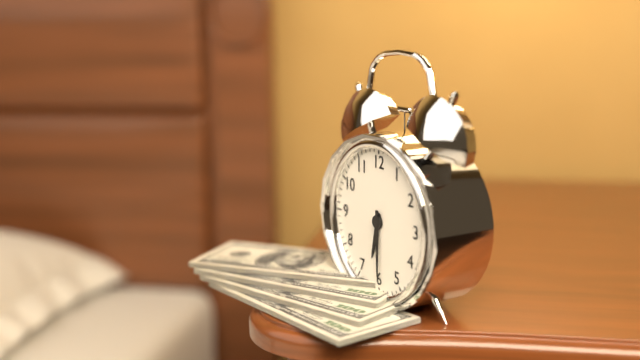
6:30
